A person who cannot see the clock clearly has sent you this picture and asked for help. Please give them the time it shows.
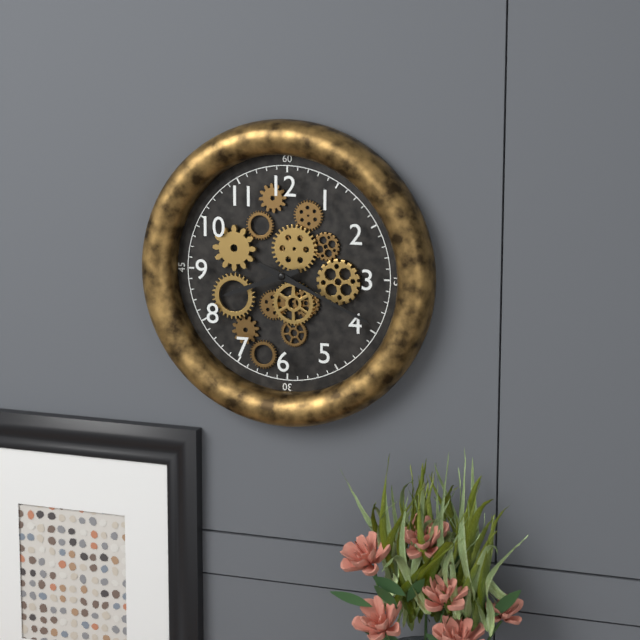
8:19
